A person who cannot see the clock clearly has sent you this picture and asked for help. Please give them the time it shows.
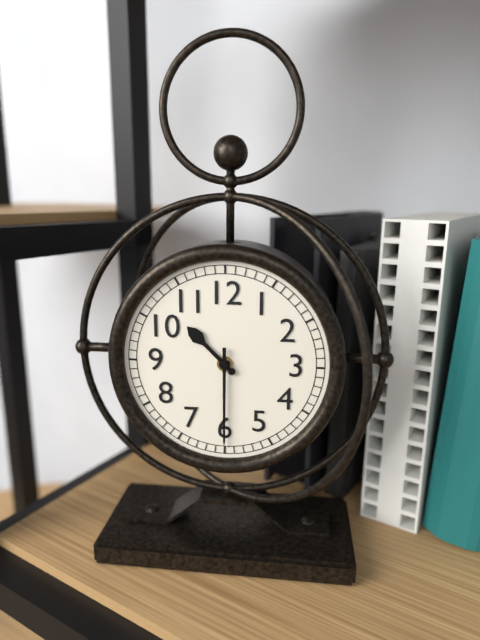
10:30
